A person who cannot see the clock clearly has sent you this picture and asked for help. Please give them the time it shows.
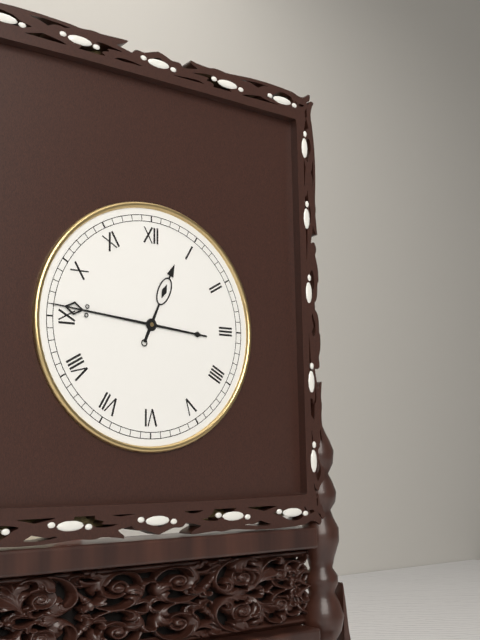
12:46
